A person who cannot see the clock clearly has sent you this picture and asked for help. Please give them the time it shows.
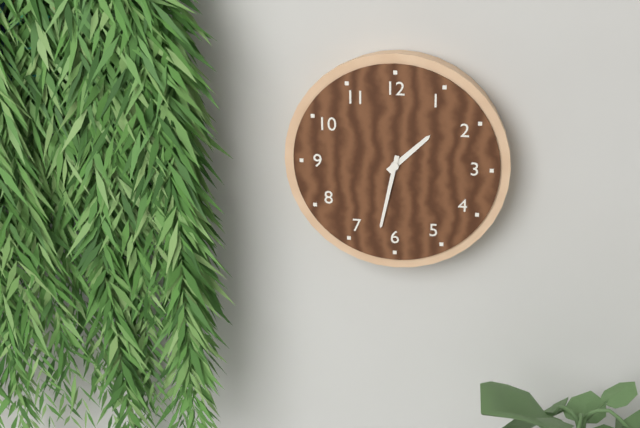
1:32
